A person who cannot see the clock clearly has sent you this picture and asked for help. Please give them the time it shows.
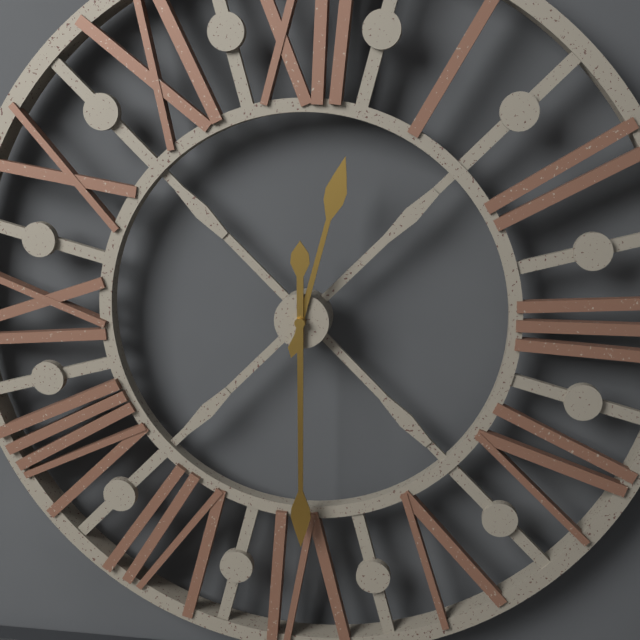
12:30
